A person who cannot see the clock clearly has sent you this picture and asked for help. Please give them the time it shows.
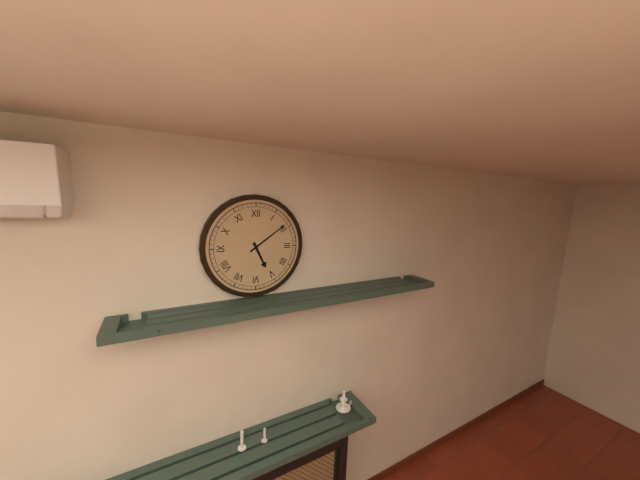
5:09
